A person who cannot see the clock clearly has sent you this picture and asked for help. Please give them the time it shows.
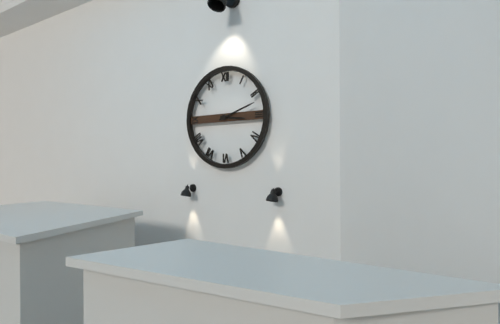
3:12
